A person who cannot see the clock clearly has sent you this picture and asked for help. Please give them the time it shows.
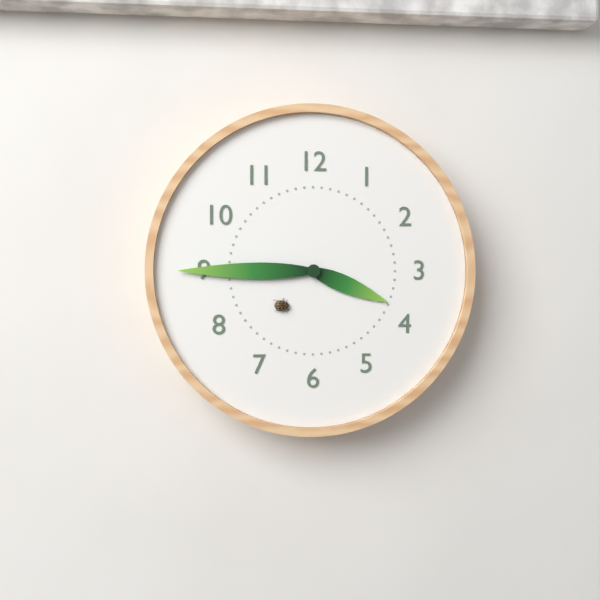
3:45
